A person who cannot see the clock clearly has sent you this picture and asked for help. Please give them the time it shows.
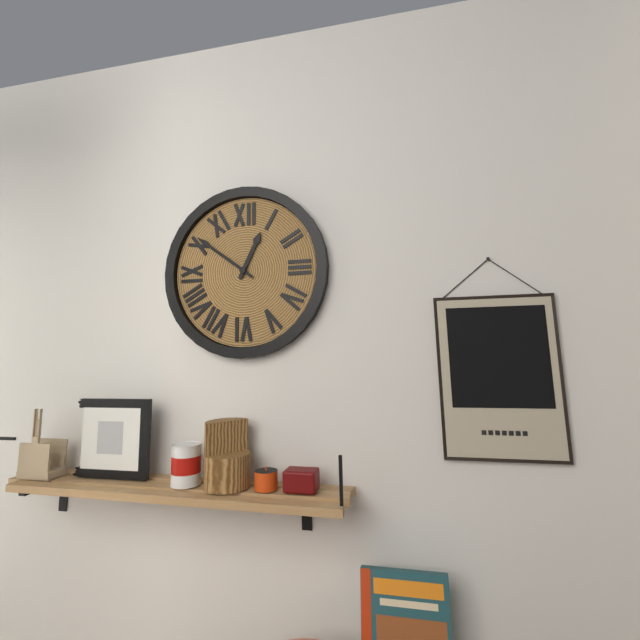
12:51
